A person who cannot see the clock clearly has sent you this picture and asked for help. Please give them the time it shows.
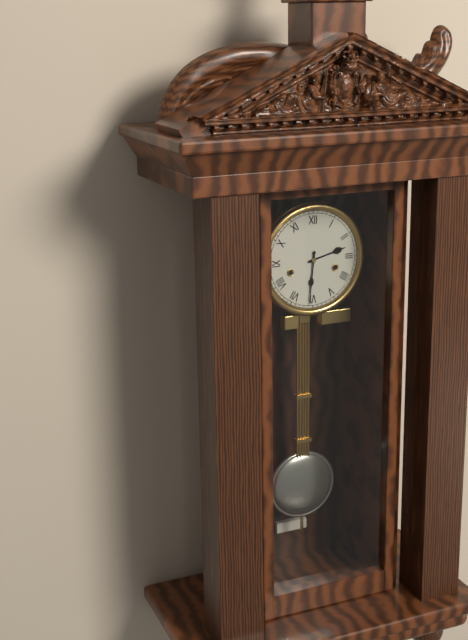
2:31
